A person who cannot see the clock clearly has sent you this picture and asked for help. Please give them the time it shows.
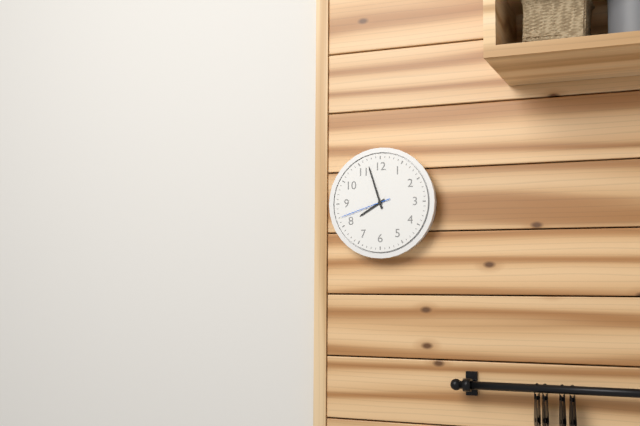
7:57:42
